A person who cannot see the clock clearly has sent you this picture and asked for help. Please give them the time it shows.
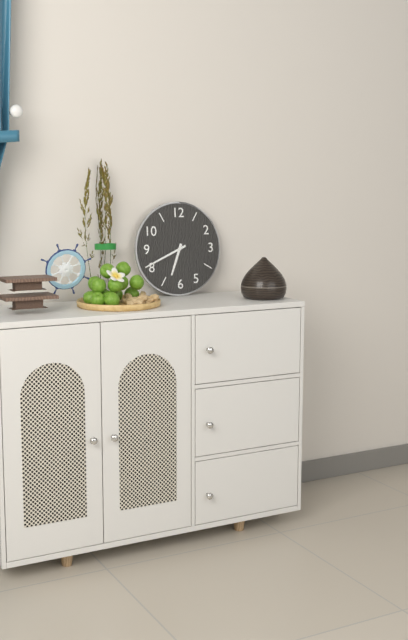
6:41
